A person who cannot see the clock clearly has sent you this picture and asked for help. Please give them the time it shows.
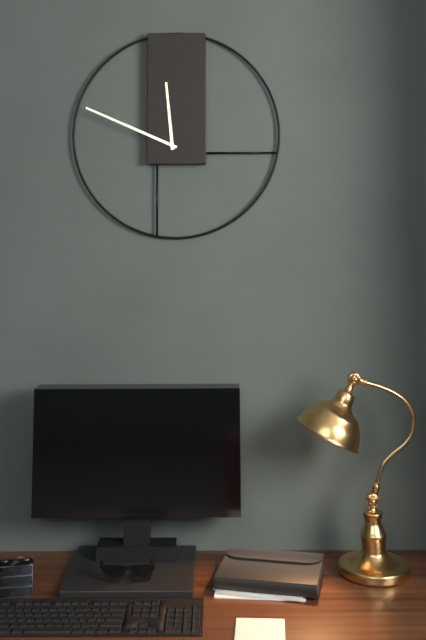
11:49
